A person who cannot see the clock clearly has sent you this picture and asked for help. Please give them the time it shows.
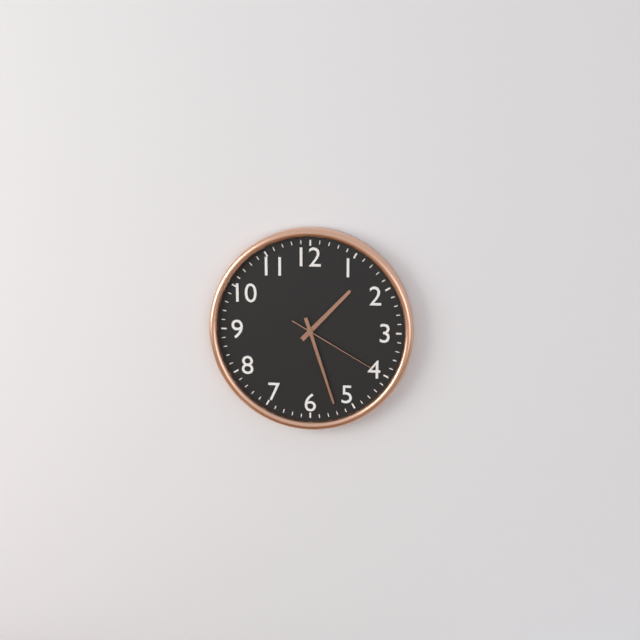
1:27:20
